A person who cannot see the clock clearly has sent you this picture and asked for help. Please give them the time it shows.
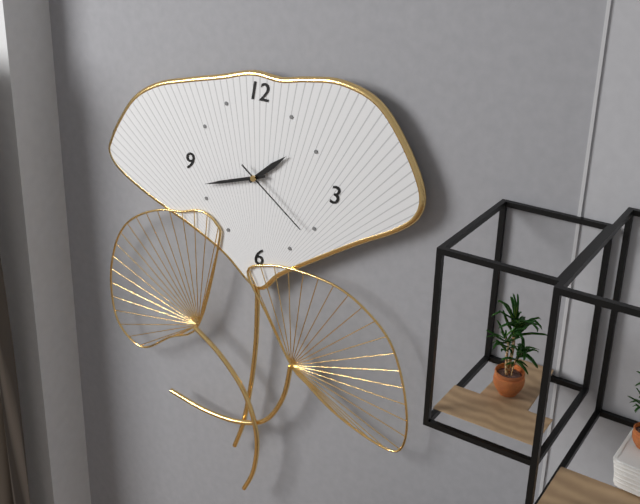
1:42:21
